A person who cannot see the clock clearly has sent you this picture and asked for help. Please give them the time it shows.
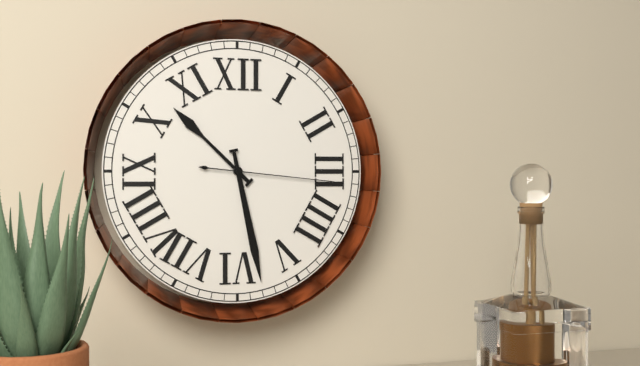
10:28:16
